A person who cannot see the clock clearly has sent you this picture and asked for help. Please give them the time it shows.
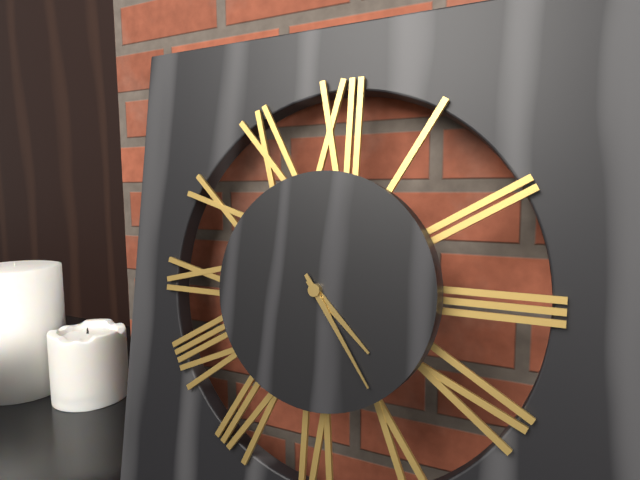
4:24
